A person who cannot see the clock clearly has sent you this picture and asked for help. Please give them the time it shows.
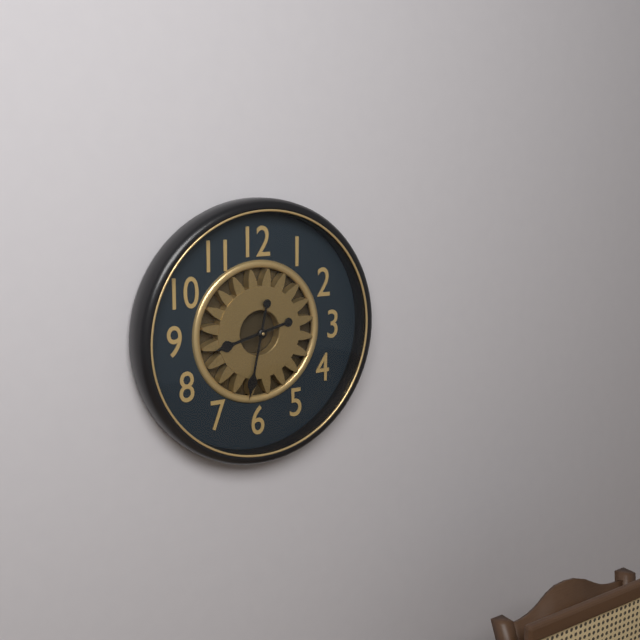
8:32
